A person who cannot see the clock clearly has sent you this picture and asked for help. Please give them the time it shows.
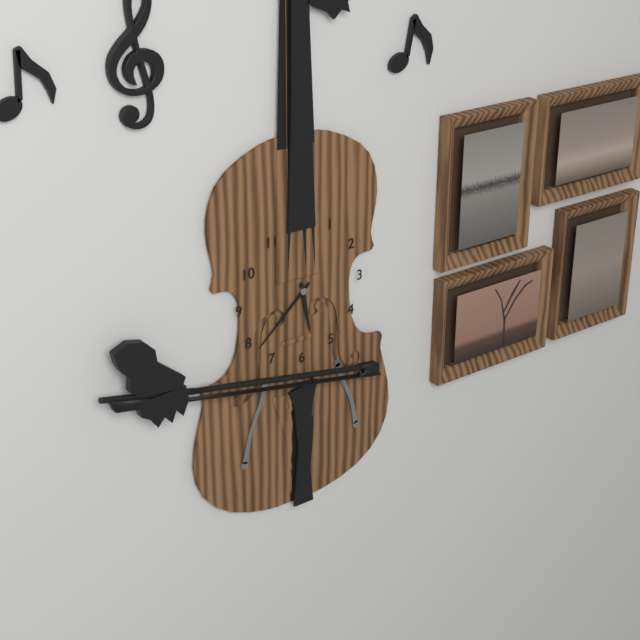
5:38
